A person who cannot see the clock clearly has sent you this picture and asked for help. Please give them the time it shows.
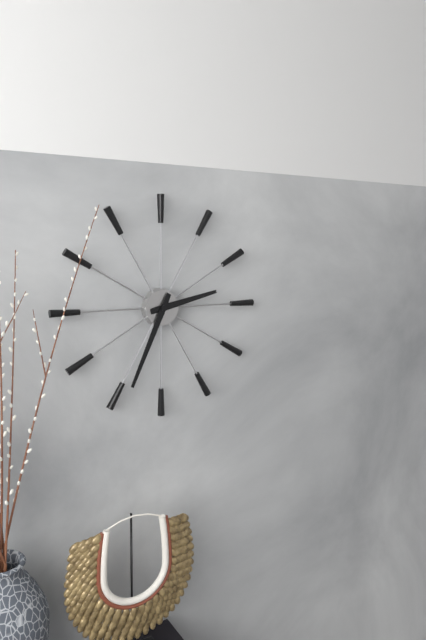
2:34
